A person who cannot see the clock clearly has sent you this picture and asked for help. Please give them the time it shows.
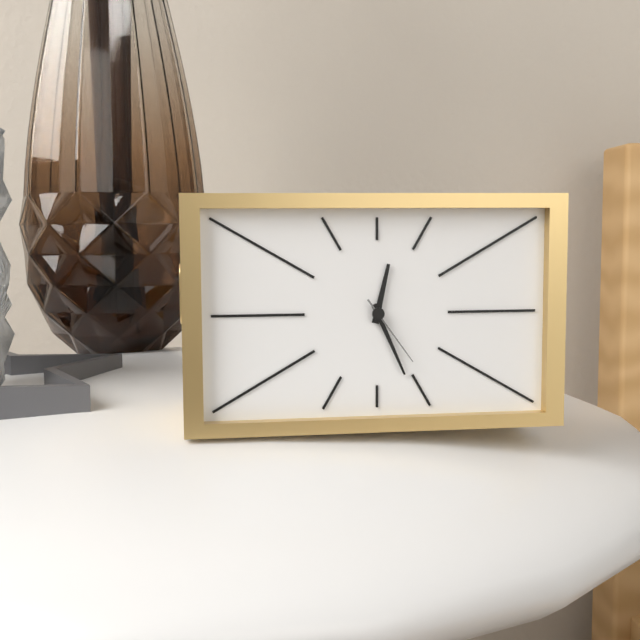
12:26:24
